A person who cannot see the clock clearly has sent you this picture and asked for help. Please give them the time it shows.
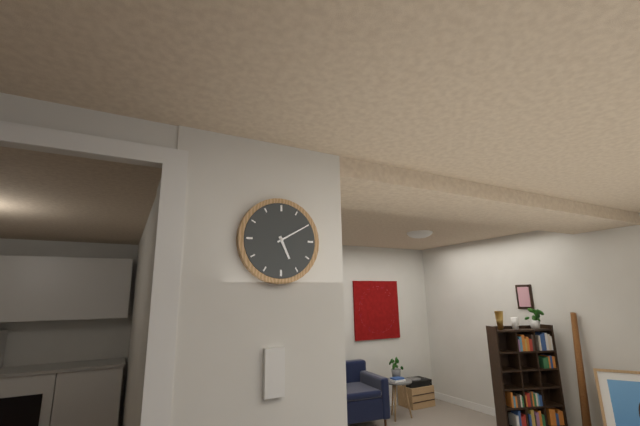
5:10
